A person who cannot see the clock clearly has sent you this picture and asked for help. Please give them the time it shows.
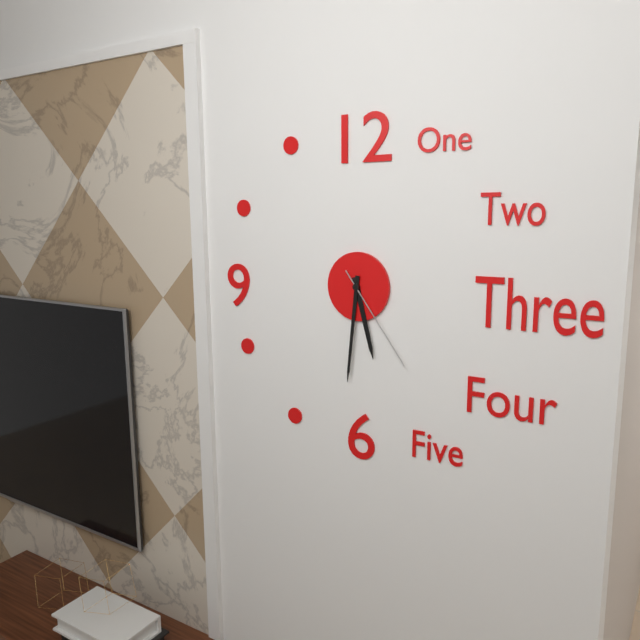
5:31:24
